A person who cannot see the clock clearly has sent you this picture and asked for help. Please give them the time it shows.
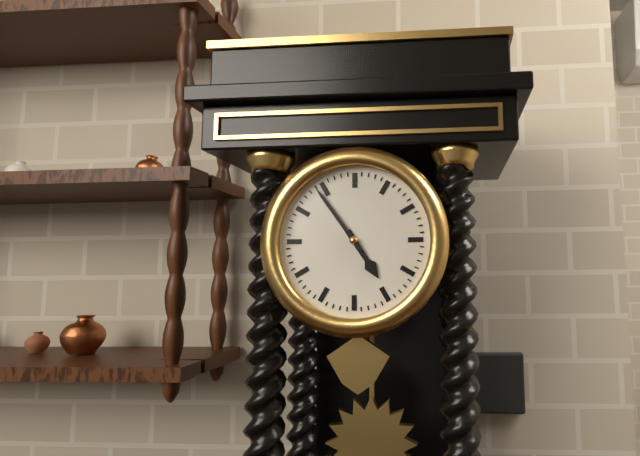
4:54
